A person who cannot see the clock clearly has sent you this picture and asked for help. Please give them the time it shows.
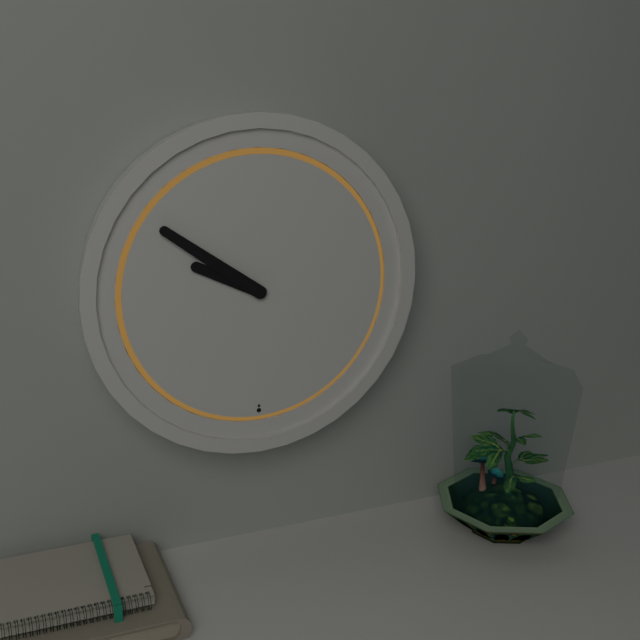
9:51
